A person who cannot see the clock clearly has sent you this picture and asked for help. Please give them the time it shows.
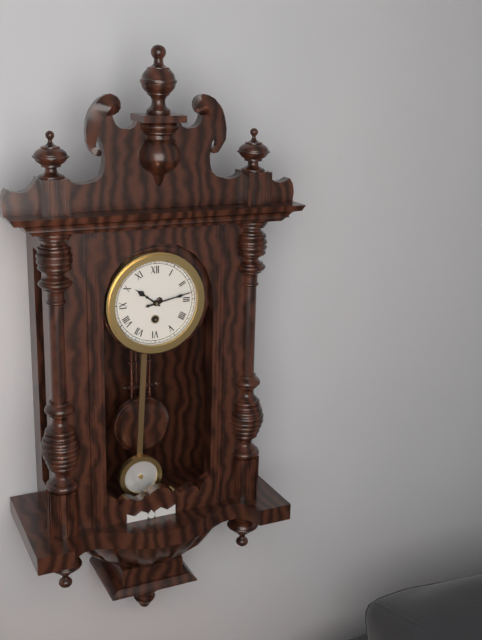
10:13
